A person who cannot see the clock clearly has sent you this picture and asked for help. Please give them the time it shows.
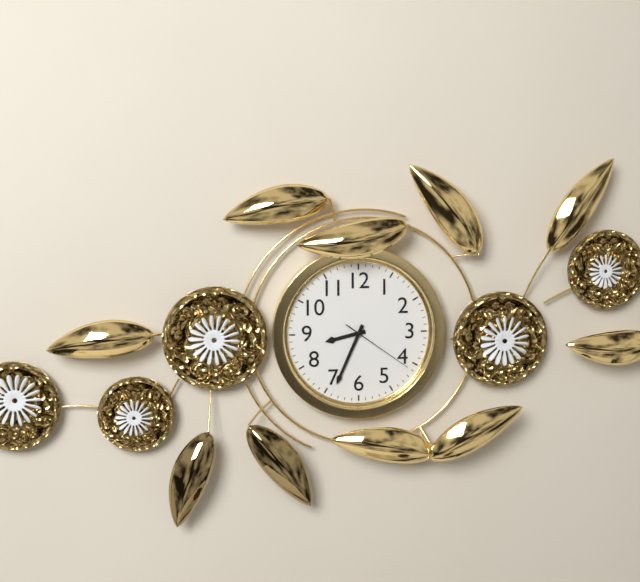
8:34:21
